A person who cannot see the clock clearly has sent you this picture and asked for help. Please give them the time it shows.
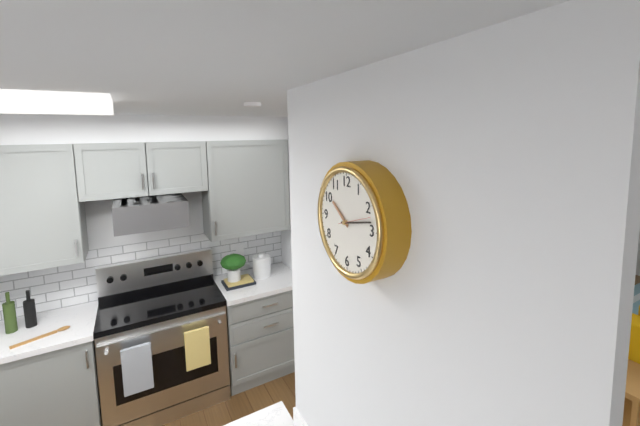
10:13
